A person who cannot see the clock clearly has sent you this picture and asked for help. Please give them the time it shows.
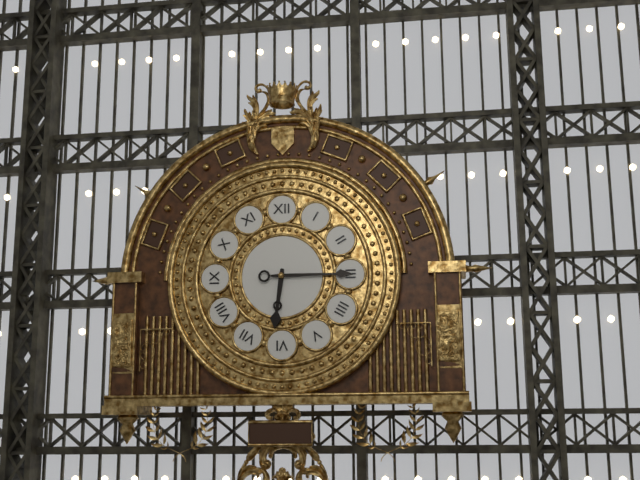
6:15
